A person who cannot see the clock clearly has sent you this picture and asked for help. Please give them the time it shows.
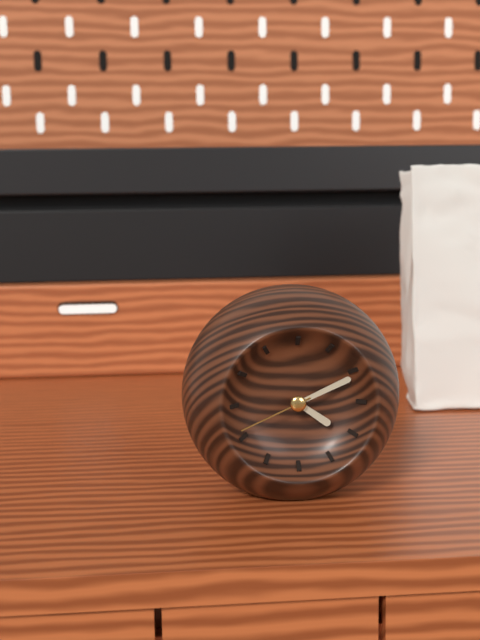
4:11:41
